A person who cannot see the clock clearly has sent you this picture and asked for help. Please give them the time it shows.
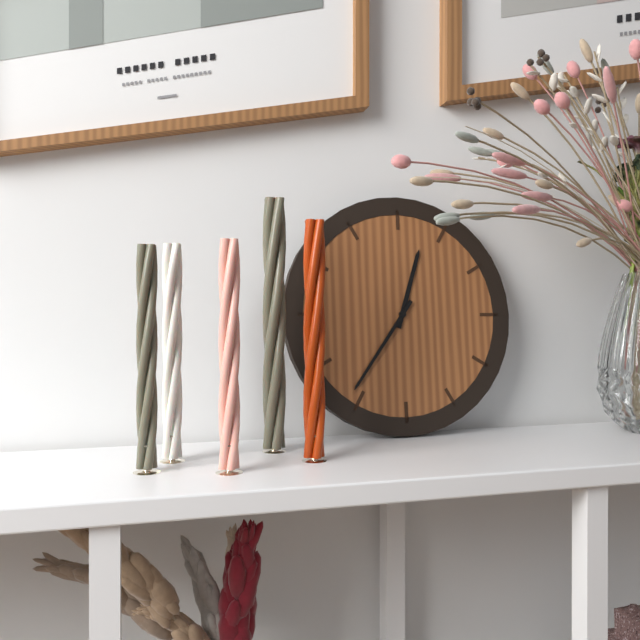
12:36
